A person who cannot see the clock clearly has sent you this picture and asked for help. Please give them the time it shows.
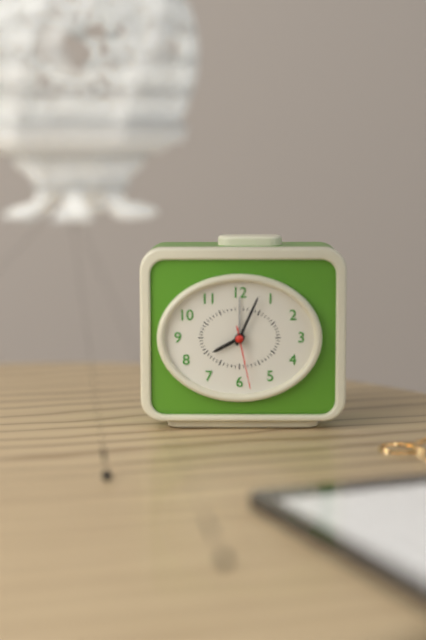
8:04:28
